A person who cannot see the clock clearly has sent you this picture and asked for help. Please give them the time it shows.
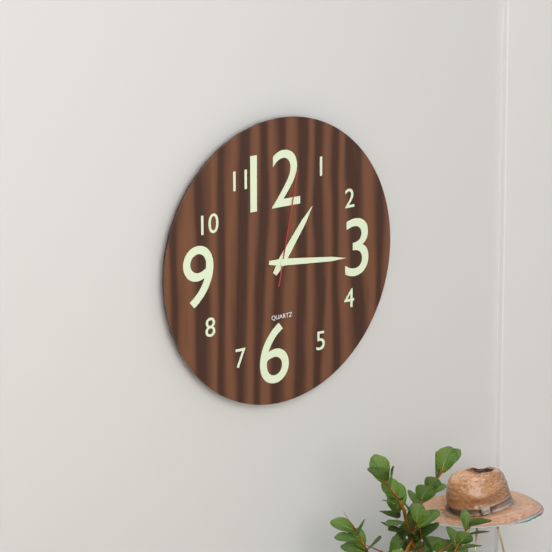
1:16:02
